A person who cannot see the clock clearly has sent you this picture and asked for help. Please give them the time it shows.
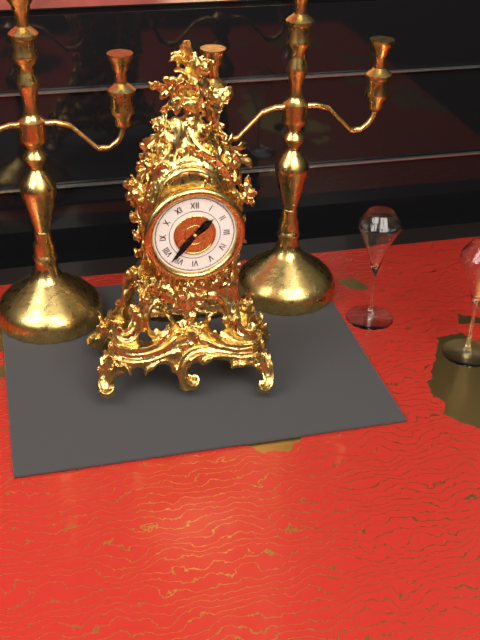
1:37
